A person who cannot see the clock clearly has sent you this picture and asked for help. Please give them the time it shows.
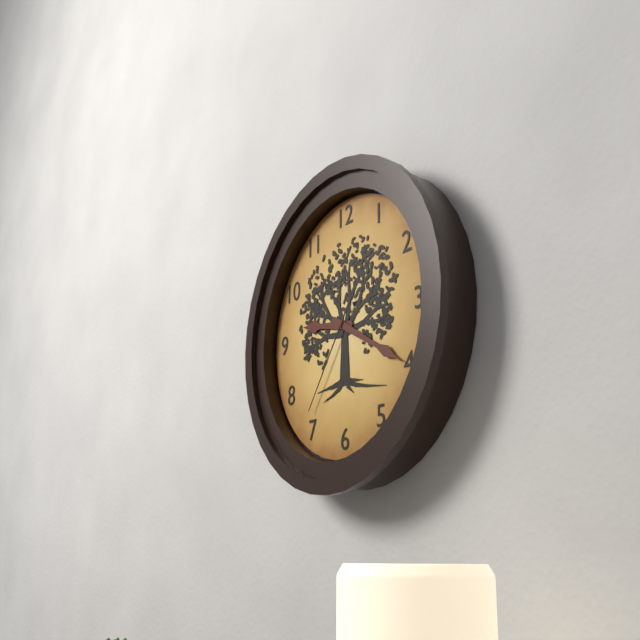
9:20:36
